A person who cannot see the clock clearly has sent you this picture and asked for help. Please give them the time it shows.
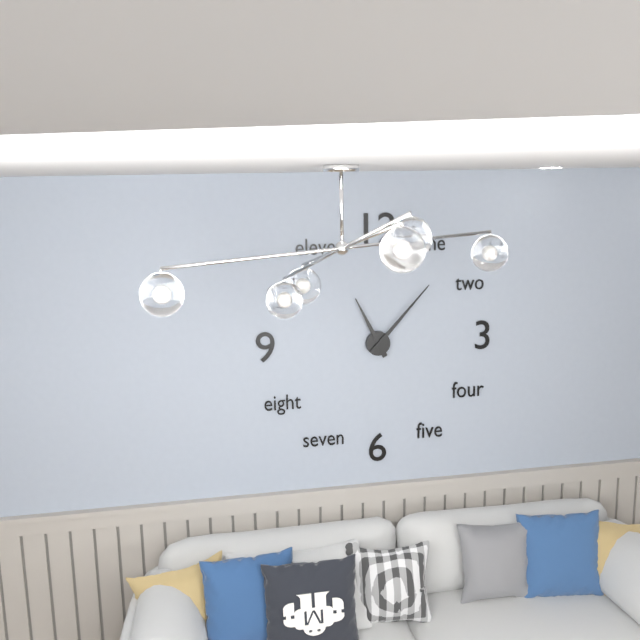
11:07
